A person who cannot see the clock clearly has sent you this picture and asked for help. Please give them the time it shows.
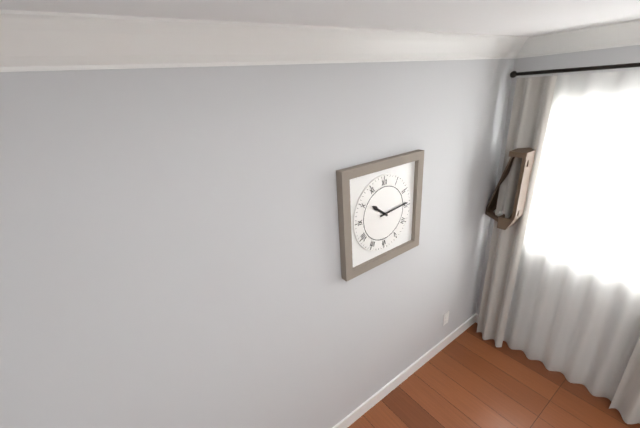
10:14
